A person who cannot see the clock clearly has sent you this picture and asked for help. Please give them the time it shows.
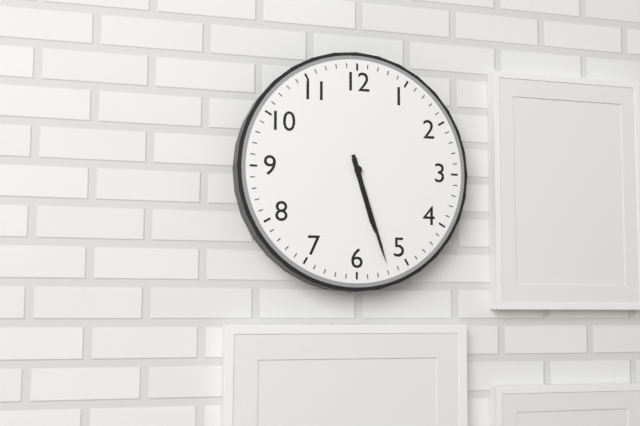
5:27
